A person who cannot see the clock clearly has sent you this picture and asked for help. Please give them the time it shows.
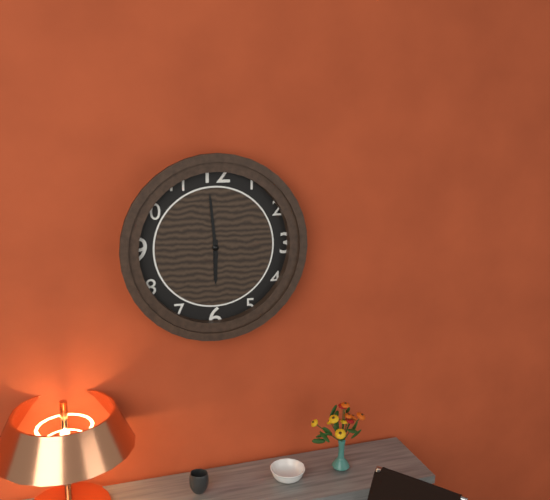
5:59
